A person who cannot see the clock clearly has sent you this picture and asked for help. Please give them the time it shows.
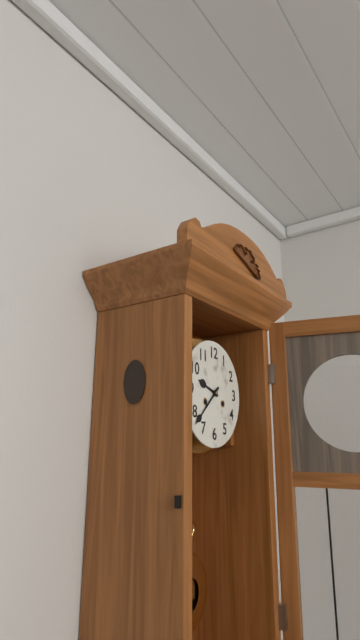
9:38
